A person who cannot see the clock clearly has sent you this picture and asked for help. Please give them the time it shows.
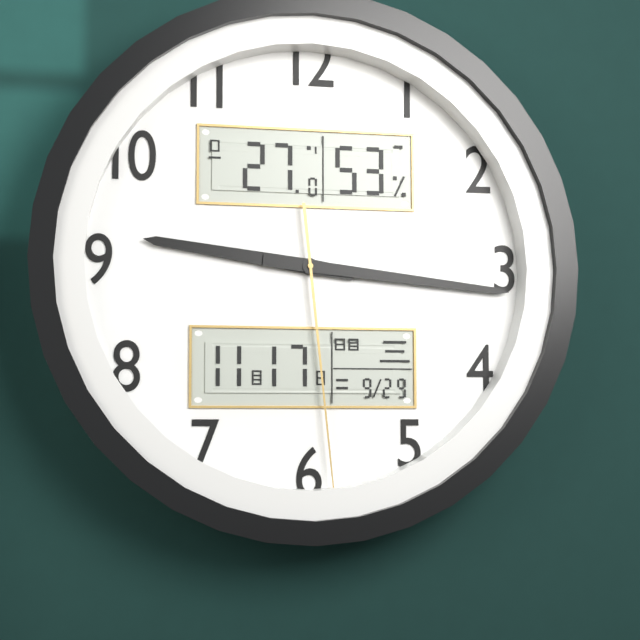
9:16:29
